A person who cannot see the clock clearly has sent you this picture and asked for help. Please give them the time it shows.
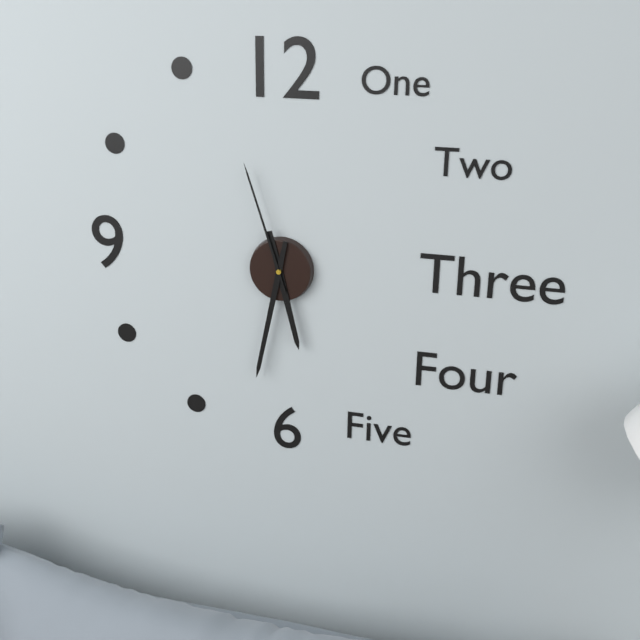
5:32:57
